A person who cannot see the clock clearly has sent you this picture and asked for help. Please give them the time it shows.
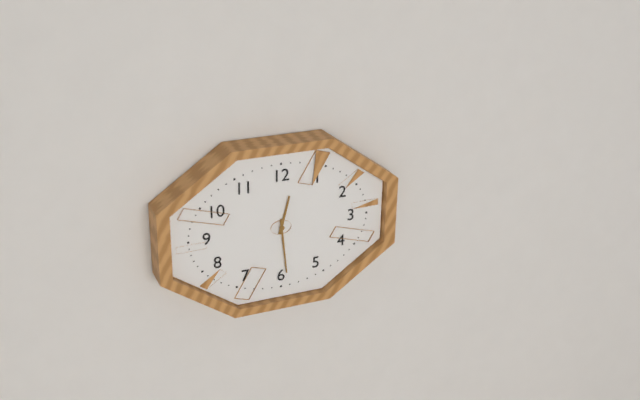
12:29
